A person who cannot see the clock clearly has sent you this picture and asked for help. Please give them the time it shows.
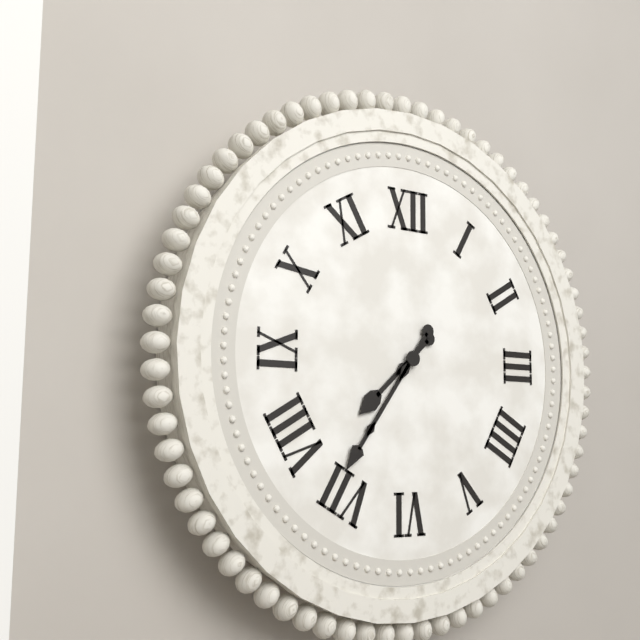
7:36
